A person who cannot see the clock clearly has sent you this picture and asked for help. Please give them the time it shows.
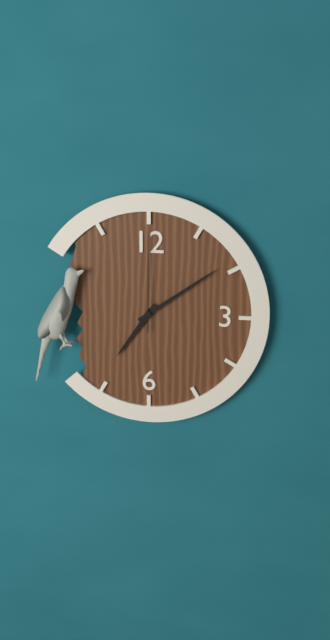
7:09:00
